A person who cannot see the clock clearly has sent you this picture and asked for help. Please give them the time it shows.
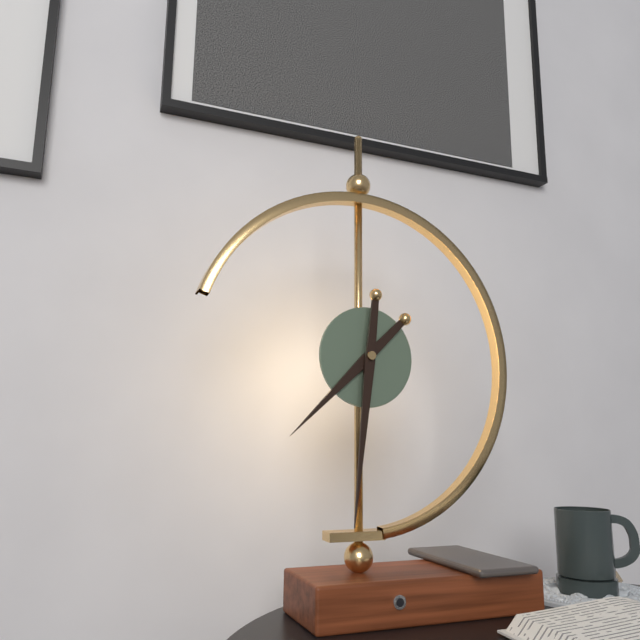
7:31
